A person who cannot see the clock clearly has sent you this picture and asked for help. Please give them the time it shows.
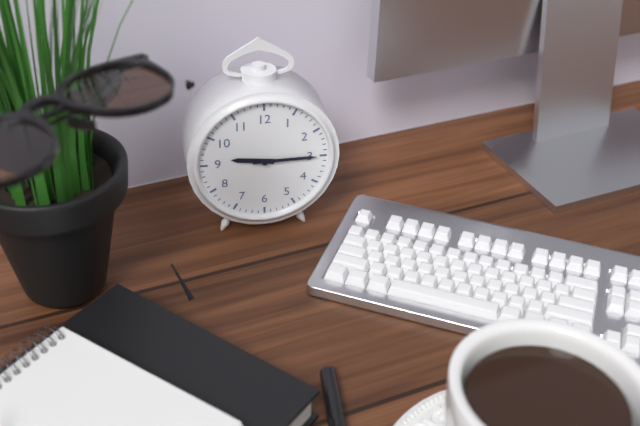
9:15
